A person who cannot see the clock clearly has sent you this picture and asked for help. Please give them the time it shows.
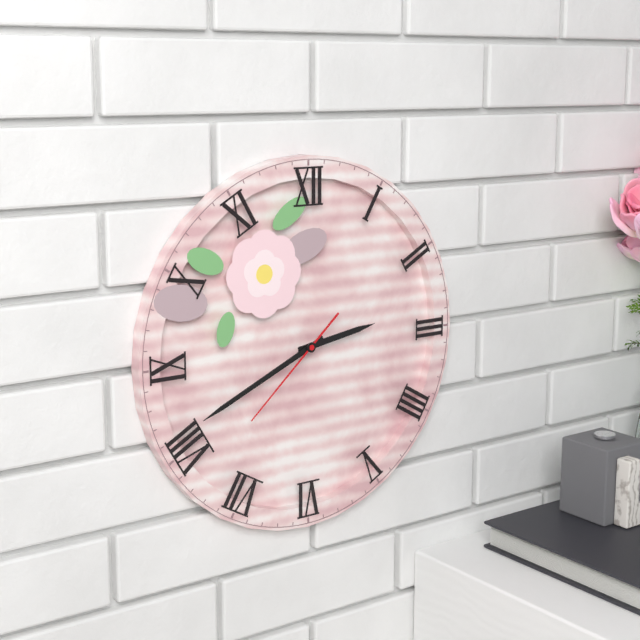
2:41:38
